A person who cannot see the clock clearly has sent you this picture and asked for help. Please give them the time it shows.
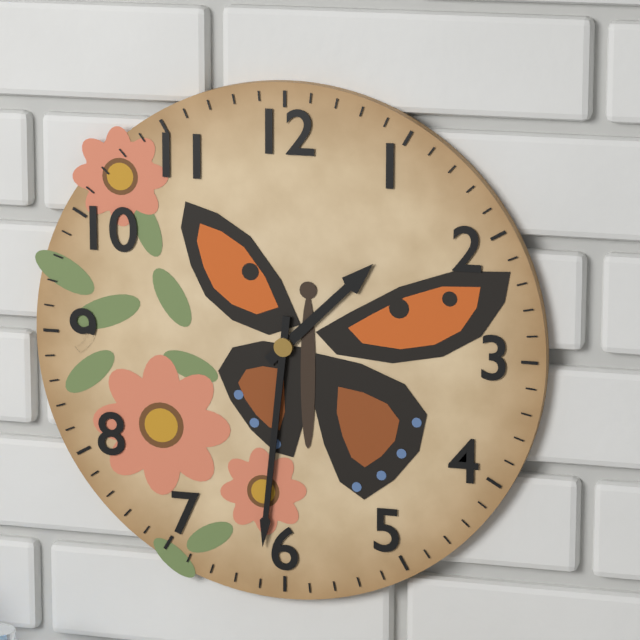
1:31
